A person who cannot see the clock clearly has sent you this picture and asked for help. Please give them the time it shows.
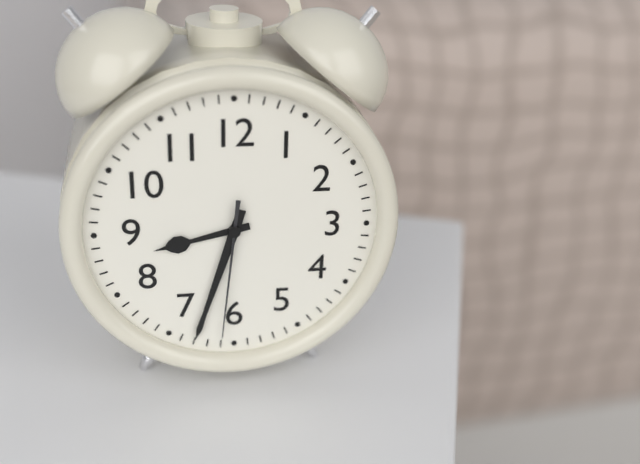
8:33:31
